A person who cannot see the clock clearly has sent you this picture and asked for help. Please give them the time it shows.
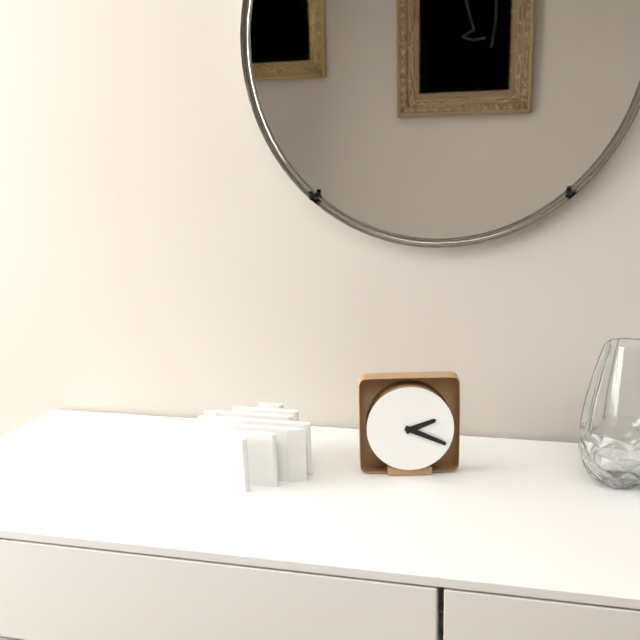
2:19
